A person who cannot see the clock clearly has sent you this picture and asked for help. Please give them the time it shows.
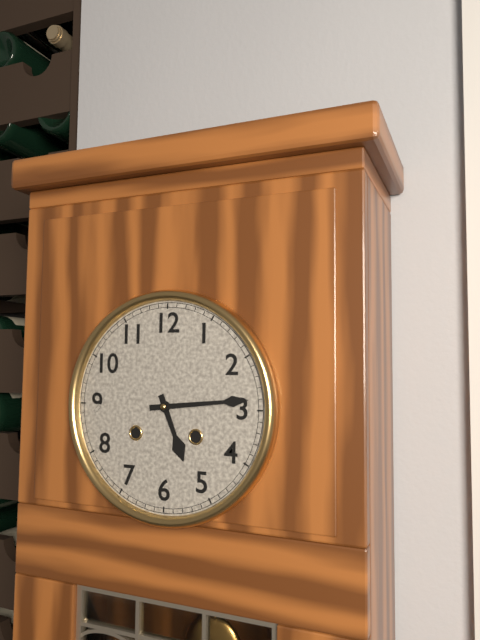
5:14
